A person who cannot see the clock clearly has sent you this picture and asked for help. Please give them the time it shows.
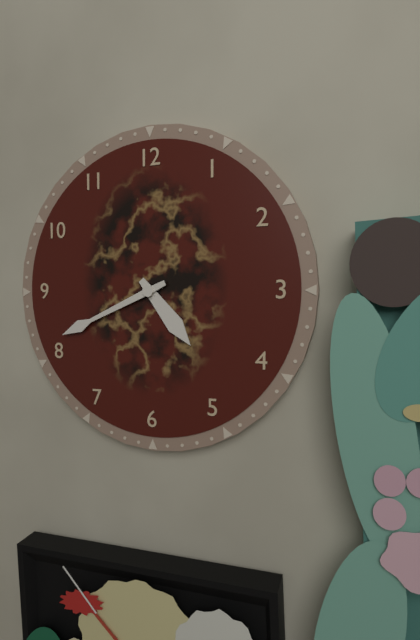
4:41
